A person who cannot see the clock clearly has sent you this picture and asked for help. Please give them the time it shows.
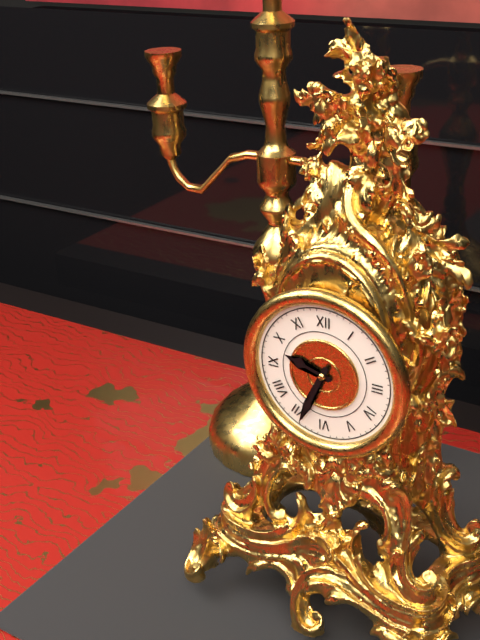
9:34
